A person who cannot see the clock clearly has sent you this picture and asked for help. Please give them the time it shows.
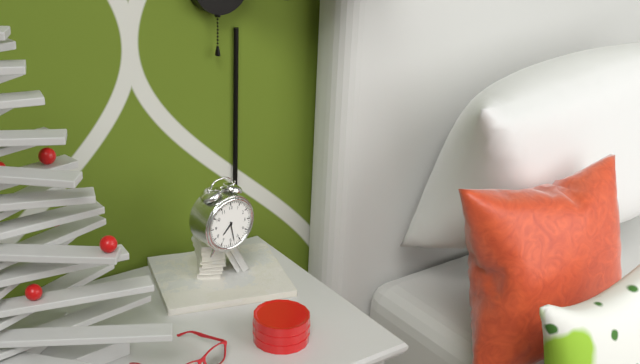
7:28
